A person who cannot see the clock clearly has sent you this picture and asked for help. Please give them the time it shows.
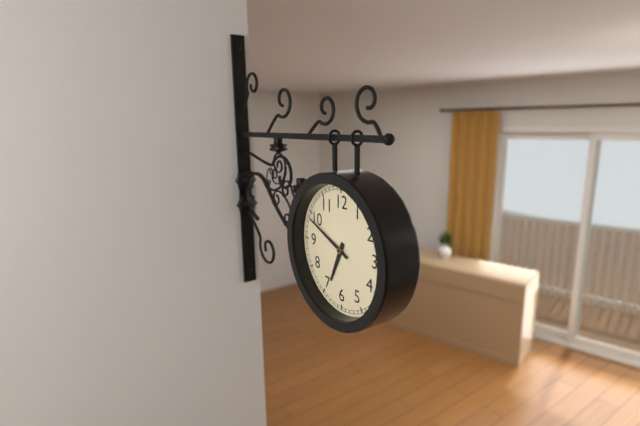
6:49
